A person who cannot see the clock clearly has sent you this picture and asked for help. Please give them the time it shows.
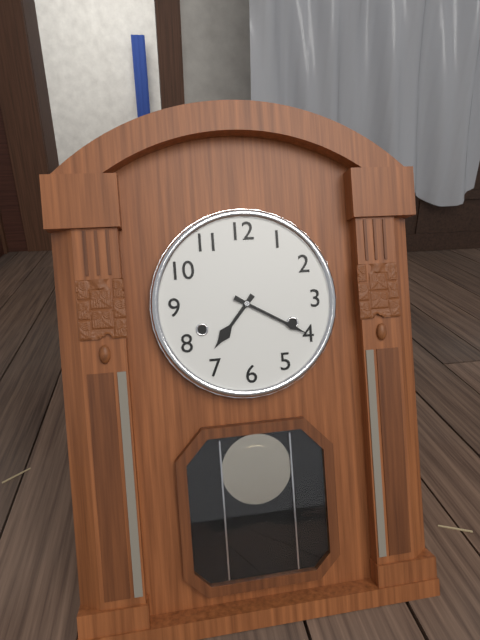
7:20
